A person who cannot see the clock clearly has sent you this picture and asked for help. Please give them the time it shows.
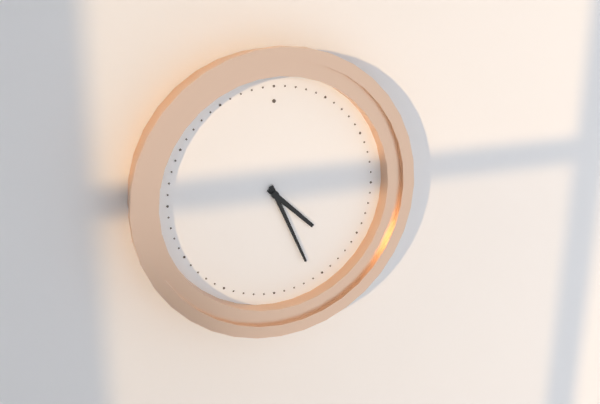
4:26
